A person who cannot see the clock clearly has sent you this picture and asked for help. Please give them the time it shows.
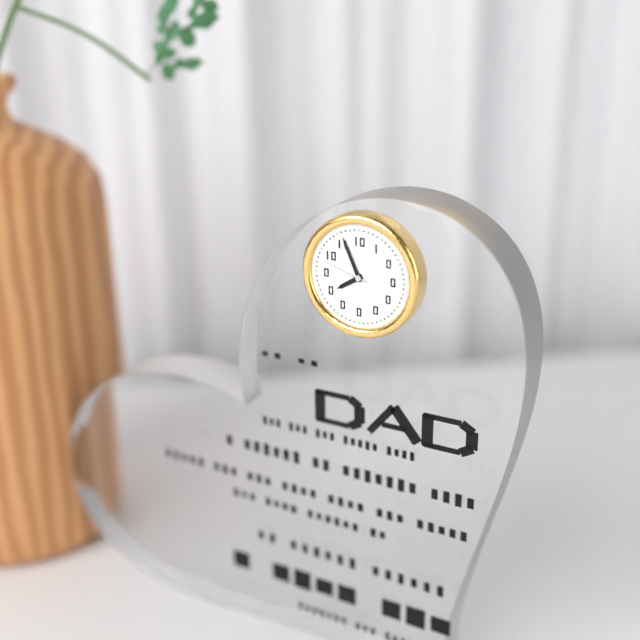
7:56:48
